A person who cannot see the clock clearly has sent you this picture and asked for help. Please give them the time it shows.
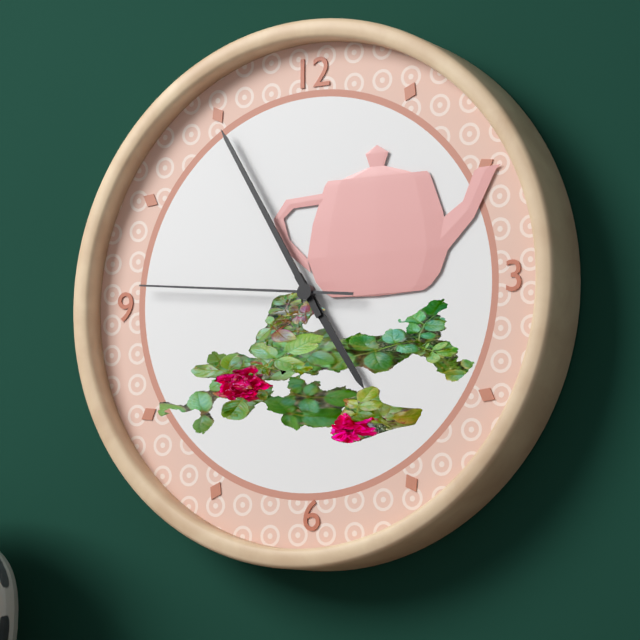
4:55:46
